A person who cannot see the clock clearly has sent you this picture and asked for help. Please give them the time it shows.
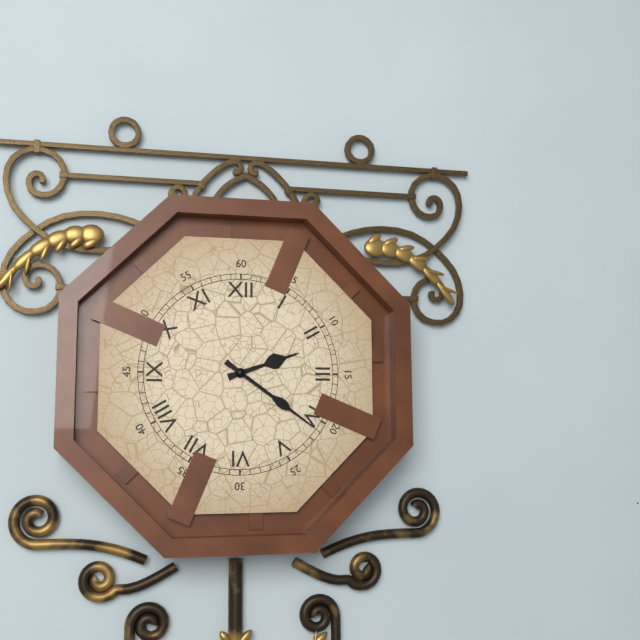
2:21
